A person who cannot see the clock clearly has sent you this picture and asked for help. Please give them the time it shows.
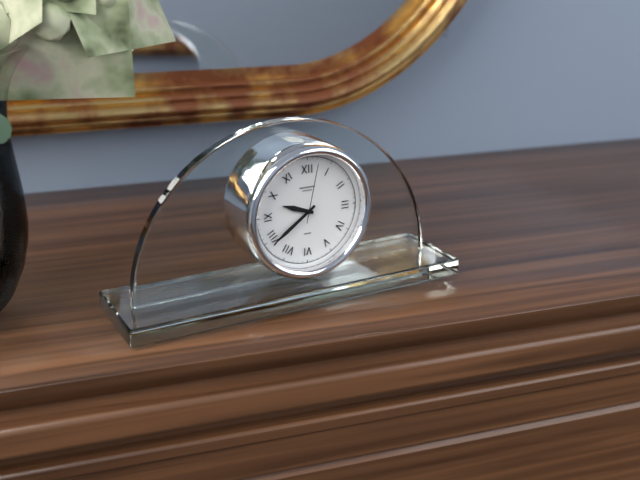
9:39:02
